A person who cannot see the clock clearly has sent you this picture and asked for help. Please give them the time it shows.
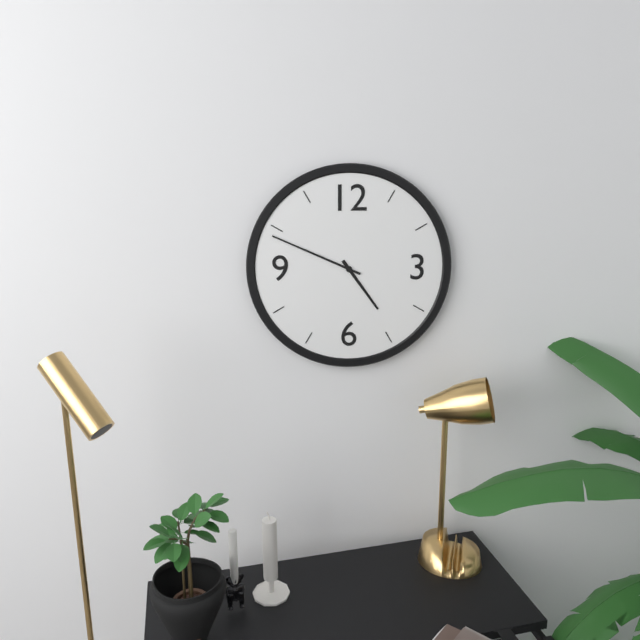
4:49
